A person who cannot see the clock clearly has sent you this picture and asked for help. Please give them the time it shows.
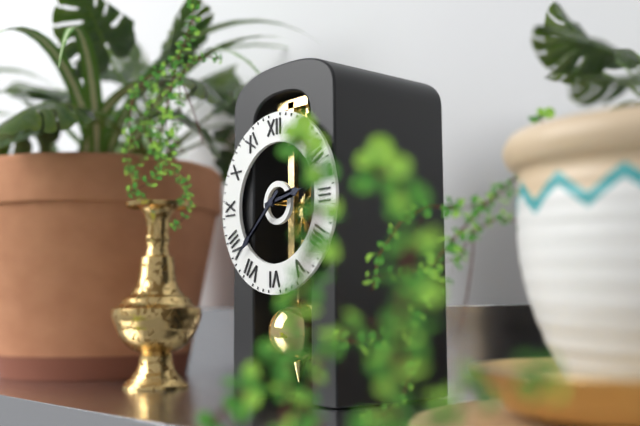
2:38
